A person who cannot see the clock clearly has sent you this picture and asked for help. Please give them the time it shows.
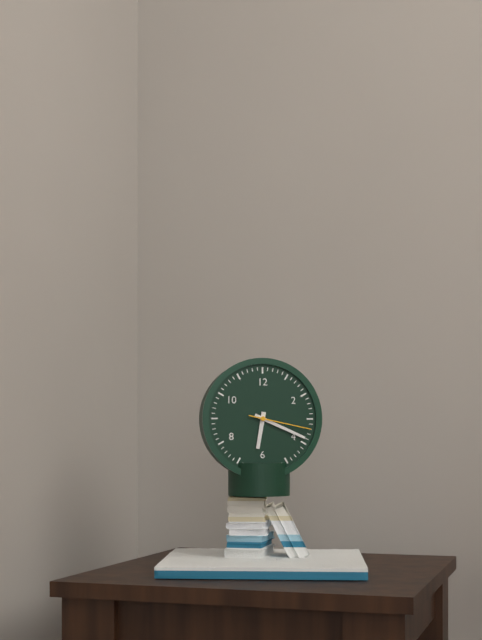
6:19:17
